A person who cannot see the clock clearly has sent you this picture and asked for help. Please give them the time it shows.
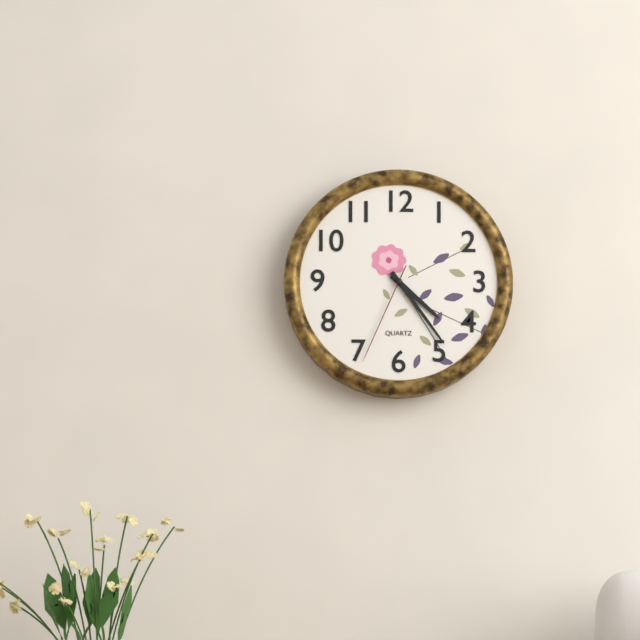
4:24:34
